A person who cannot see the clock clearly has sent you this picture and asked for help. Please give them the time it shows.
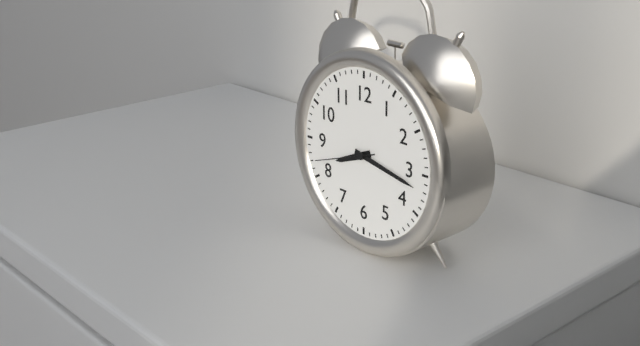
8:17:42
